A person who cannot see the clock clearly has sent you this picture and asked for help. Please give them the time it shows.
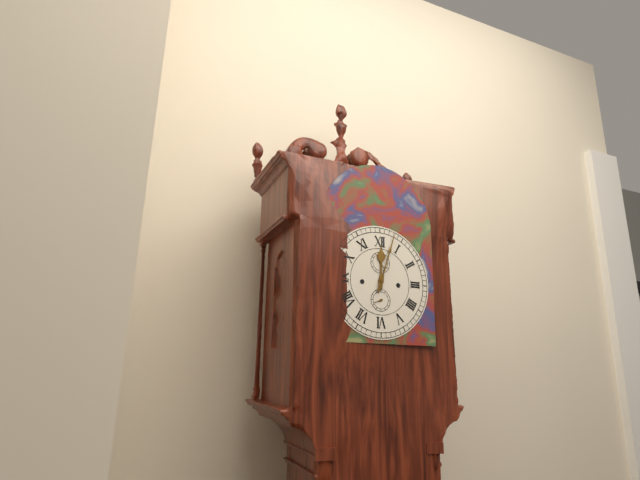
12:03
